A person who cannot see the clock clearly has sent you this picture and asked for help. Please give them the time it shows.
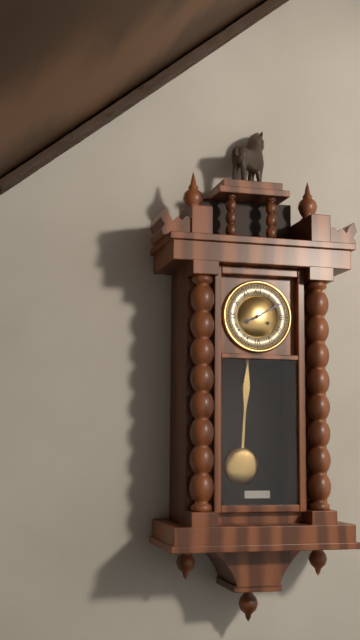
8:10
